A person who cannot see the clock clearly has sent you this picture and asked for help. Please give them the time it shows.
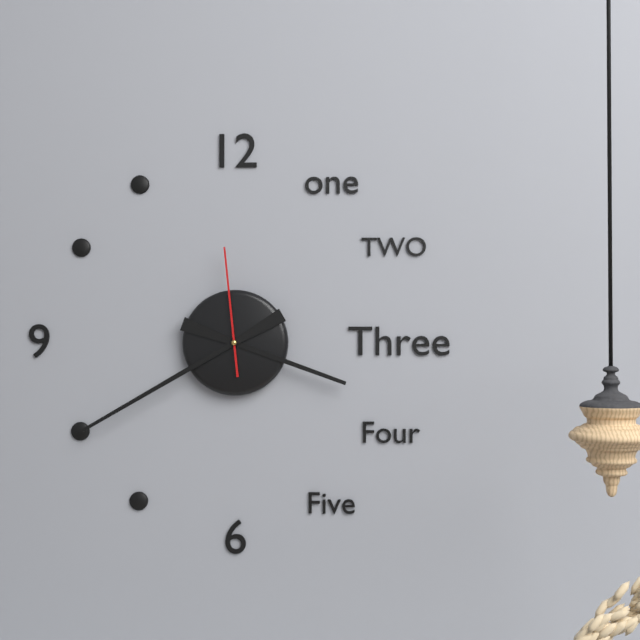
3:40:59
